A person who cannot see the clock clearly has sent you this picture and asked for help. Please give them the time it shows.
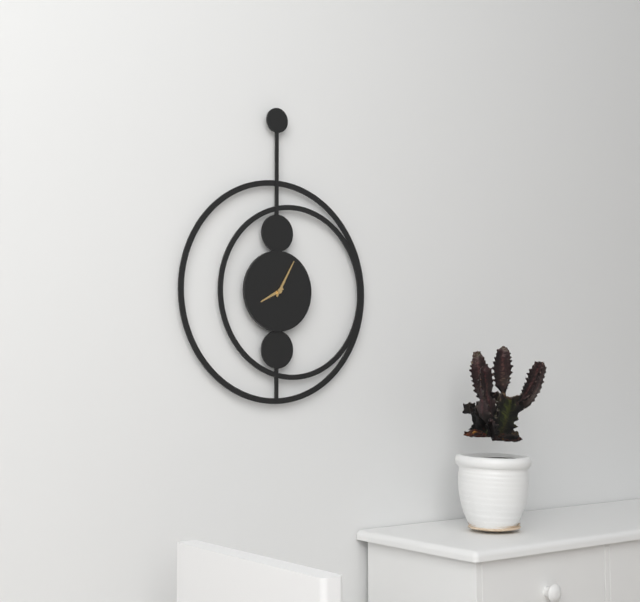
8:05
